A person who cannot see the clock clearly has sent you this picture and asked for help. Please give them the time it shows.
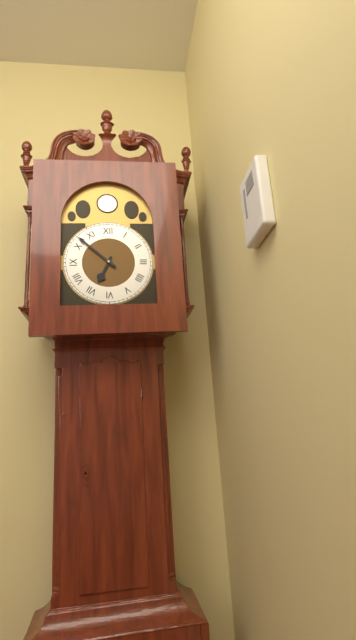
6:52
